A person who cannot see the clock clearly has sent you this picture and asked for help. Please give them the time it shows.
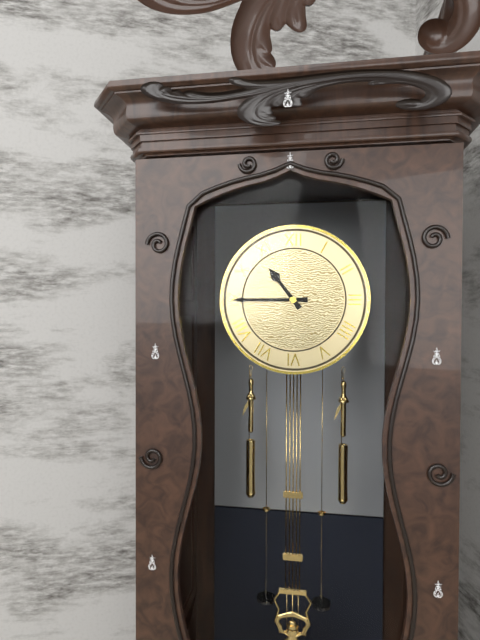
10:45
